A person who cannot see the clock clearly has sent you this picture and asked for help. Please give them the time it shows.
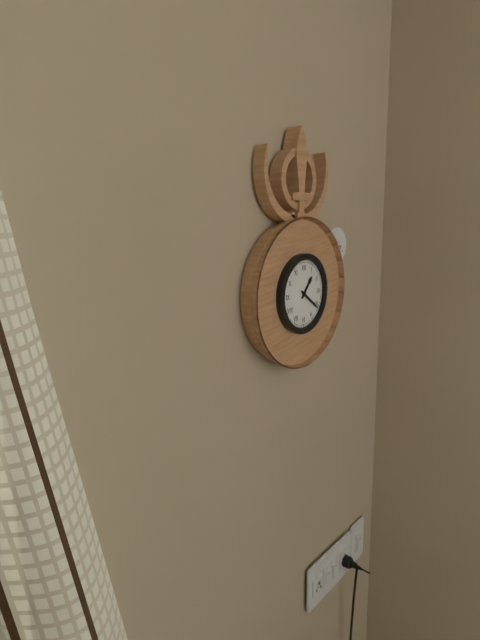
1:21
